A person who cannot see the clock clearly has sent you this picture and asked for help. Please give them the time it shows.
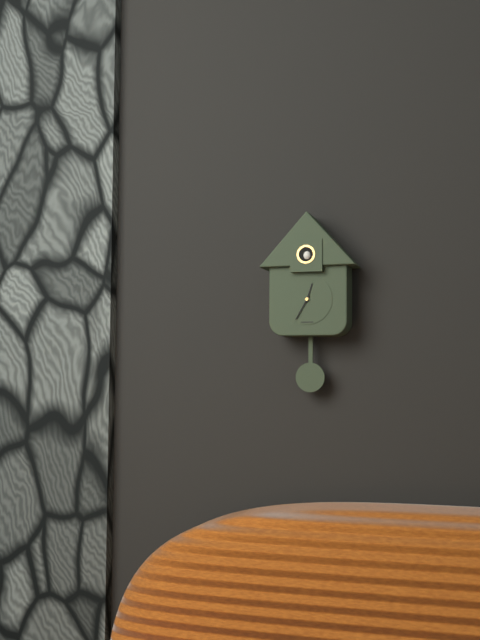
12:35
